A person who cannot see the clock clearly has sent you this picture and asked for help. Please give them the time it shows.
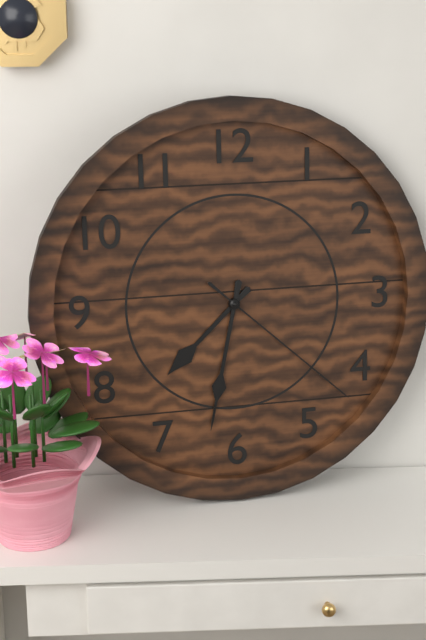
7:32:22
